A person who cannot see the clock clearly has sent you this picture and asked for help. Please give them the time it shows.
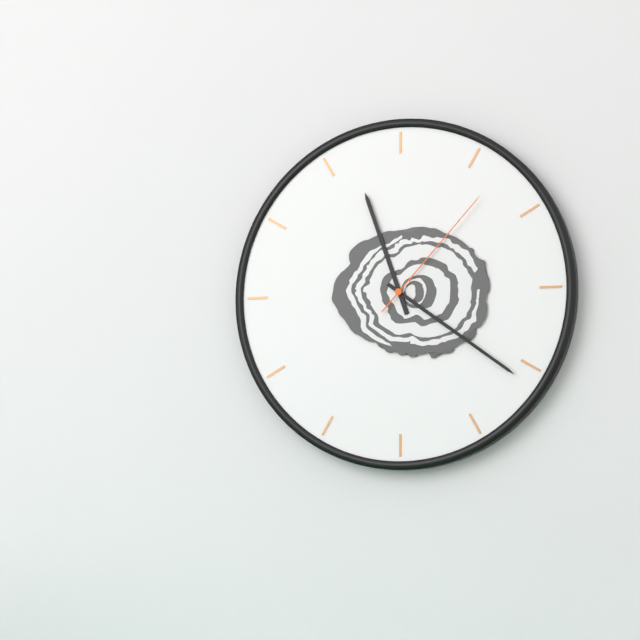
11:21:07
